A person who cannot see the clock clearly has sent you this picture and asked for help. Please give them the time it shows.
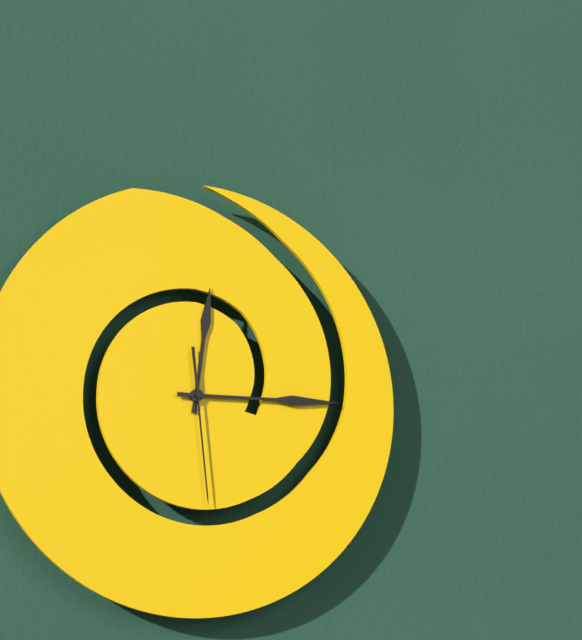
12:15:29
